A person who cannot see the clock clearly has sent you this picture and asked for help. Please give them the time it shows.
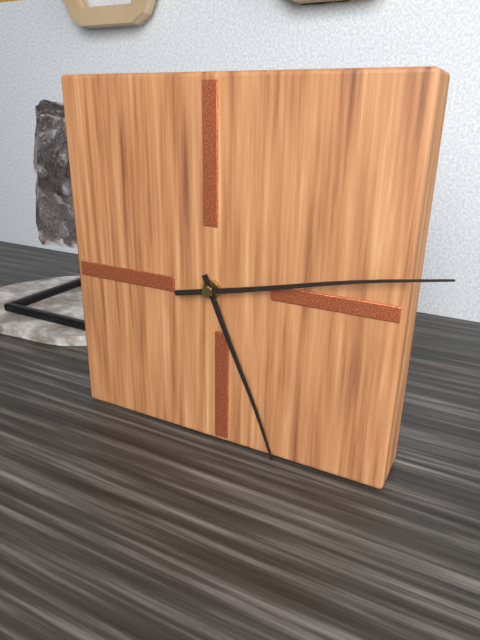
5:13
